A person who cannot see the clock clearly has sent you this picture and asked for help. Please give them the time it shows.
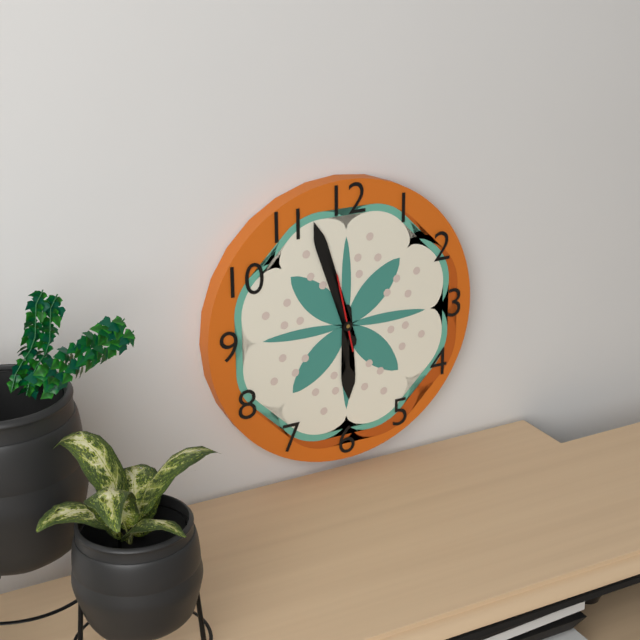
5:57:58
